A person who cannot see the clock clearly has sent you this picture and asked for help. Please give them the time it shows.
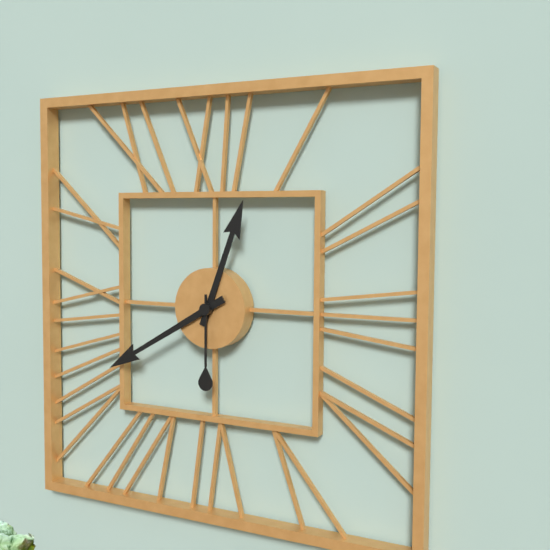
12:40:30
